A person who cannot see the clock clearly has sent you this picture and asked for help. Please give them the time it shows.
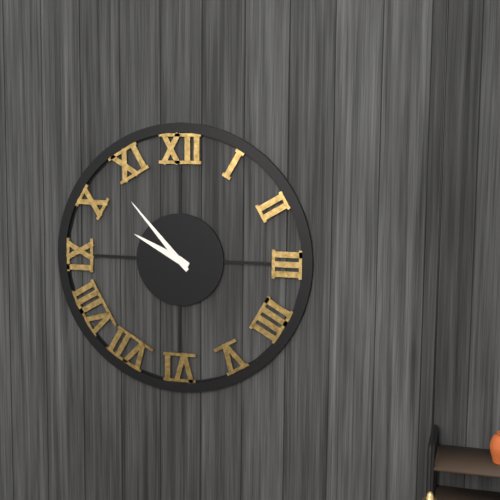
9:53
